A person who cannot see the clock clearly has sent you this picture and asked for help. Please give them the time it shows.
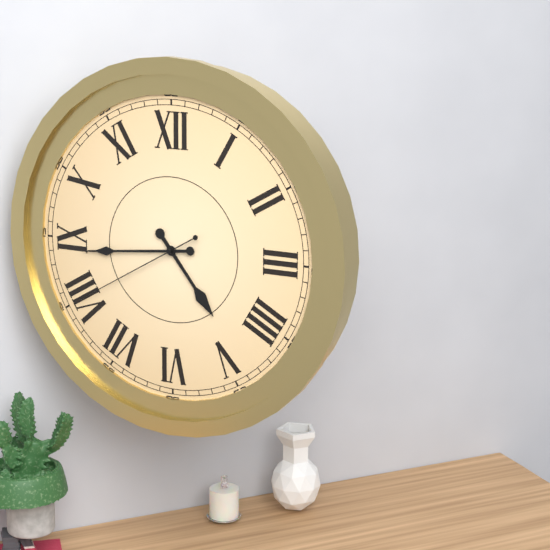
4:44:40
